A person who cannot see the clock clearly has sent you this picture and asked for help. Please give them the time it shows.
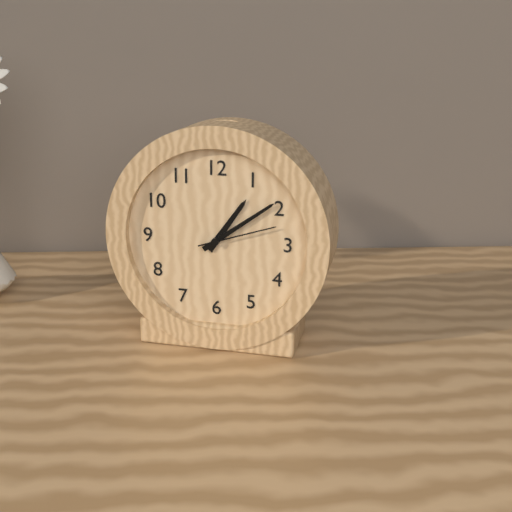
1:09:12
